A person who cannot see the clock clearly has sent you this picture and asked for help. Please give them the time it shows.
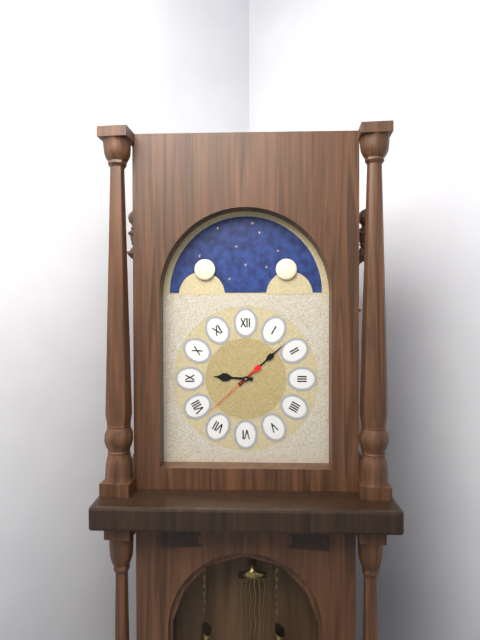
9:08:38
